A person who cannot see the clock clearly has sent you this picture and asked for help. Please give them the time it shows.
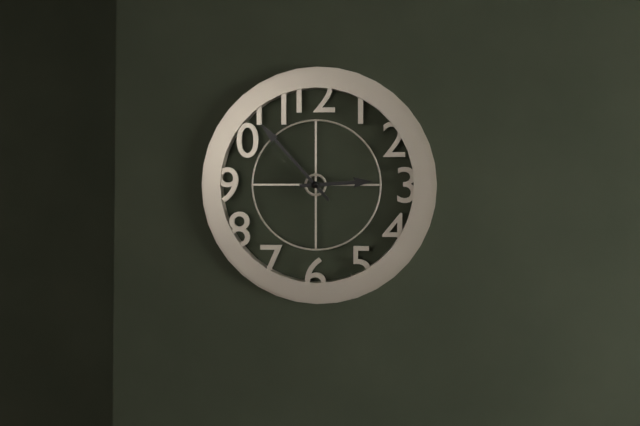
2:53
